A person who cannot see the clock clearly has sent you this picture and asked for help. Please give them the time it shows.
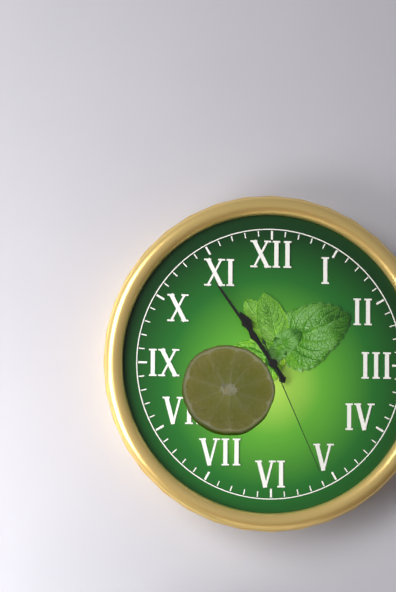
10:54:26
